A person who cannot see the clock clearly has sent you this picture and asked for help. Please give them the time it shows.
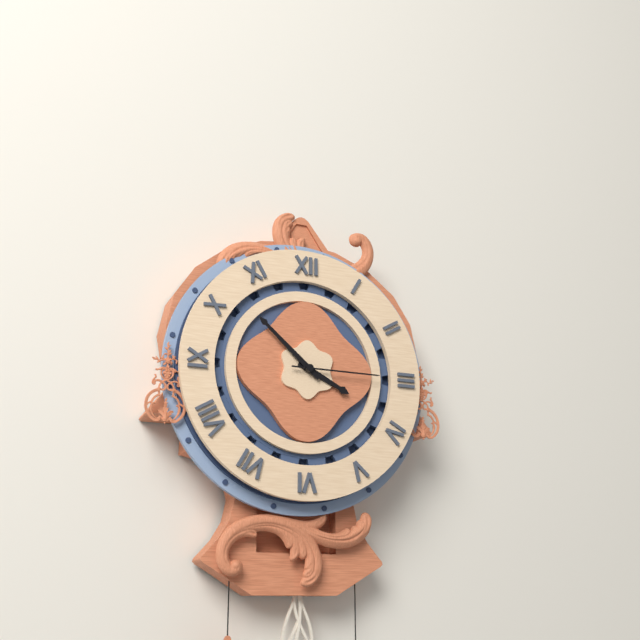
3:52:15
